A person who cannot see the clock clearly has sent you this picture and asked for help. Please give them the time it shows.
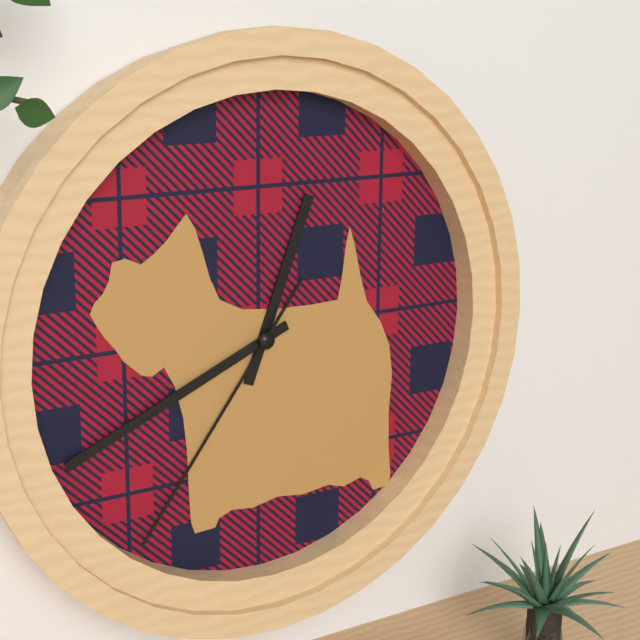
12:41:36
